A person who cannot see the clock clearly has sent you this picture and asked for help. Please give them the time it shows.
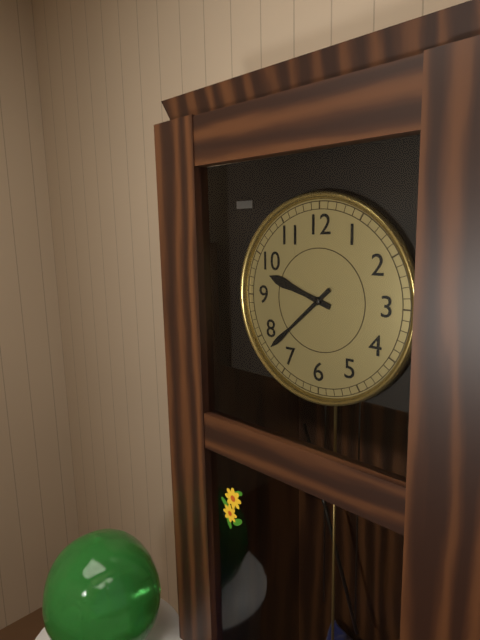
9:38
